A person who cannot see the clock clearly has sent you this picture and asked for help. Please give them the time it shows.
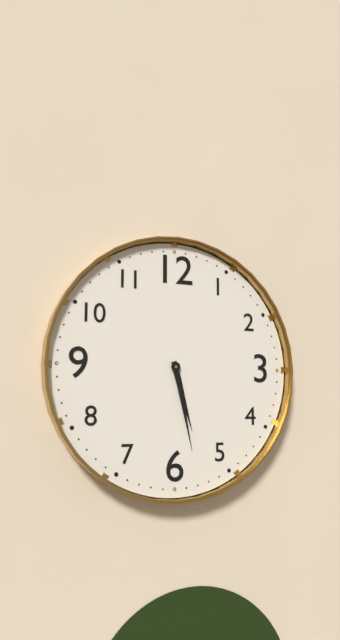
5:28
